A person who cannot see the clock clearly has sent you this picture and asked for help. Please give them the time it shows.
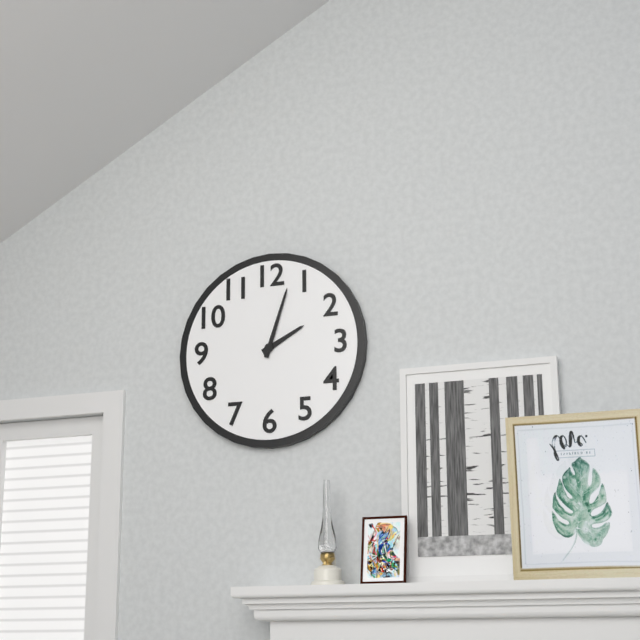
2:03
